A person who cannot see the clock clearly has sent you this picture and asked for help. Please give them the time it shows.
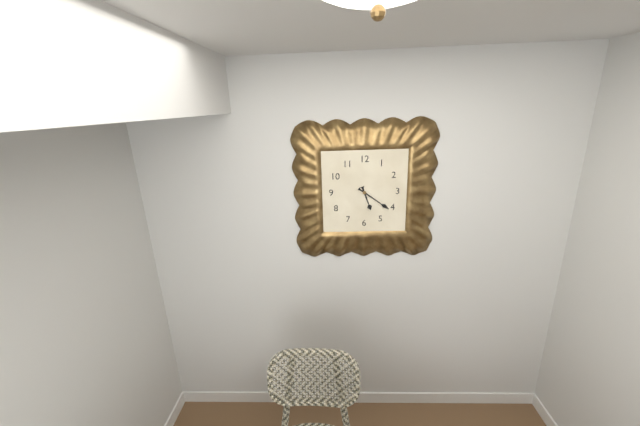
5:21
